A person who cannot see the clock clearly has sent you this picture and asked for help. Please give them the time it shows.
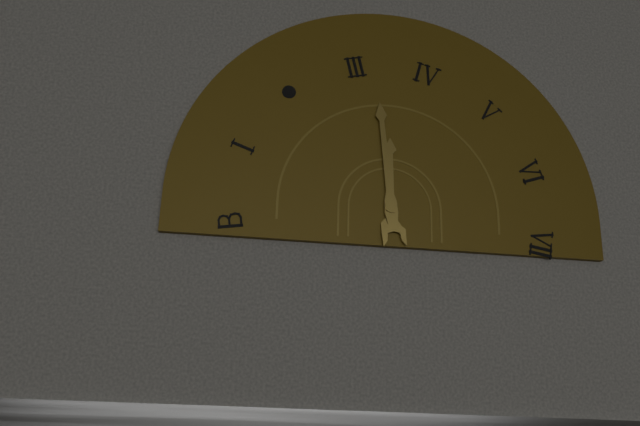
11:59
